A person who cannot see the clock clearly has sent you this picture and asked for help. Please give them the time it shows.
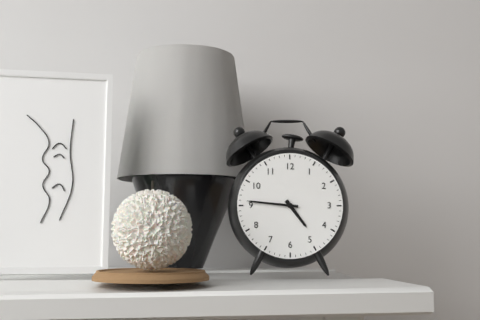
4:46
